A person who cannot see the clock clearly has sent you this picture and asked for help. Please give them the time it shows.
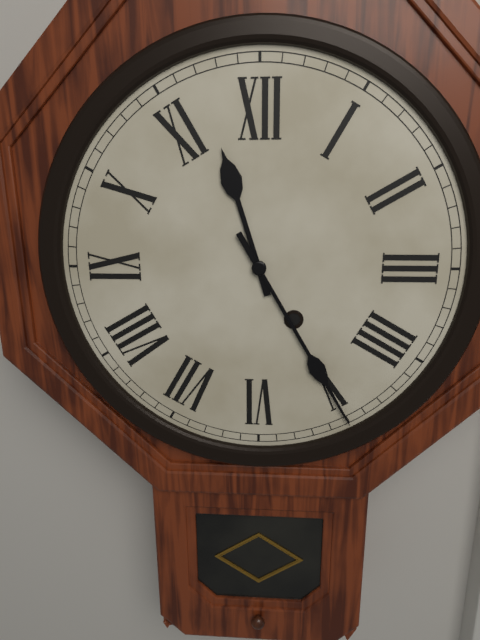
11:25
